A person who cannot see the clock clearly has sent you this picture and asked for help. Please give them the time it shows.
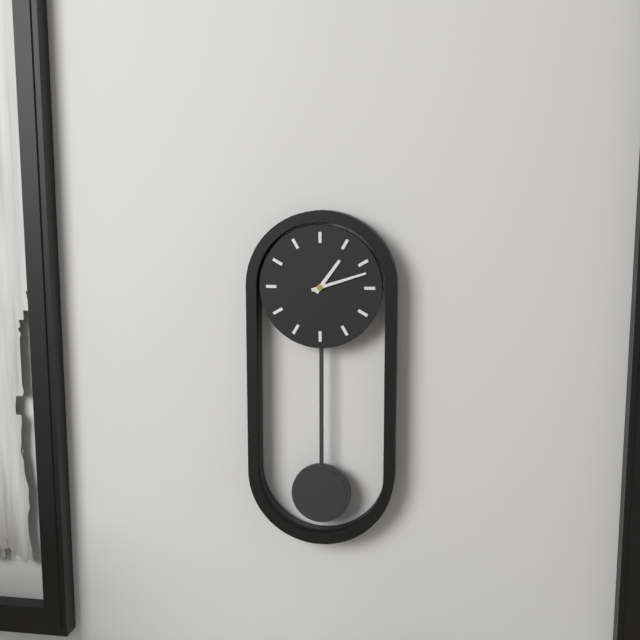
1:12
